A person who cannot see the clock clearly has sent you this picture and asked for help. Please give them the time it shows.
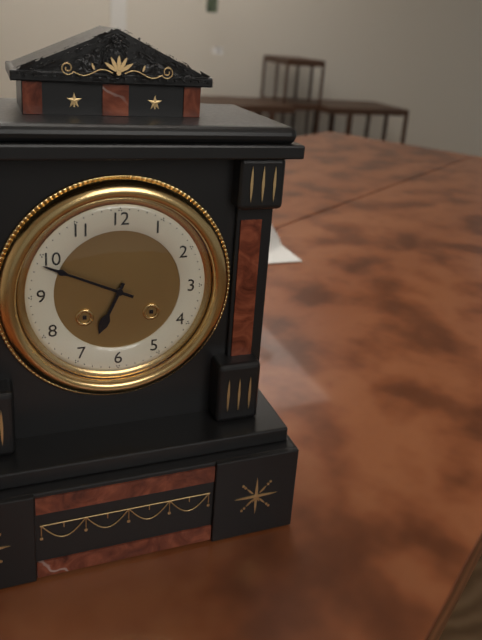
6:49
